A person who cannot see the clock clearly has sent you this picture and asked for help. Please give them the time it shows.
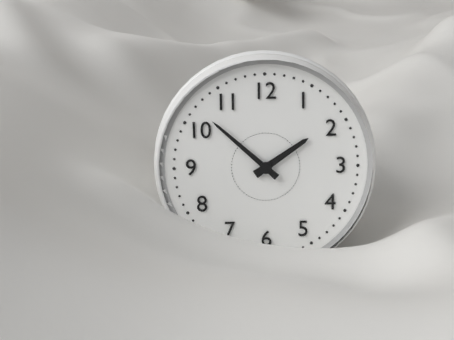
1:52
